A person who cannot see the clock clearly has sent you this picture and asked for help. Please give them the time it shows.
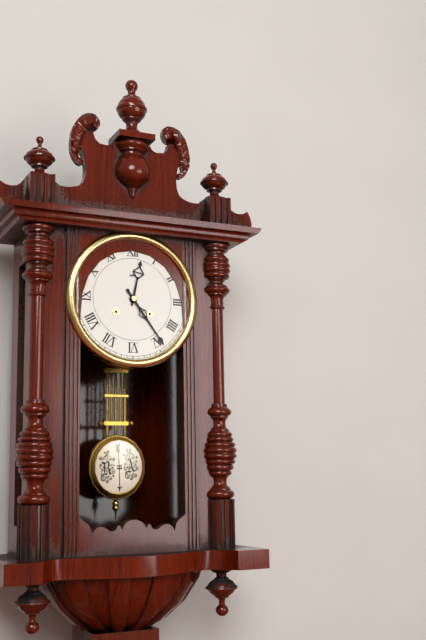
12:24
